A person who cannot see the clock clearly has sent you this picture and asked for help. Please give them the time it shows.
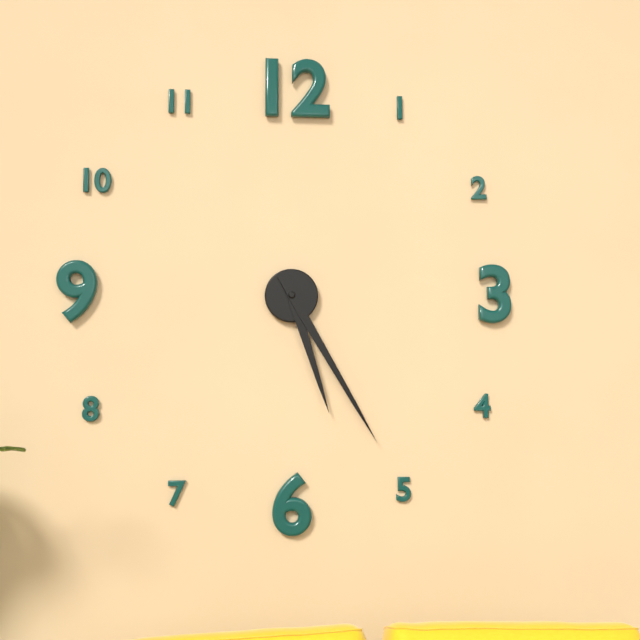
5:25
